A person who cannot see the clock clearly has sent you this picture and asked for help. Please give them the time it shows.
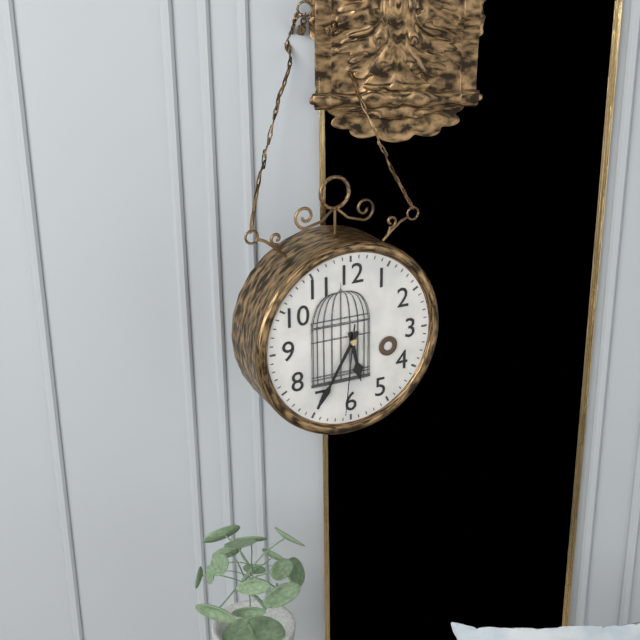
5:35:31
